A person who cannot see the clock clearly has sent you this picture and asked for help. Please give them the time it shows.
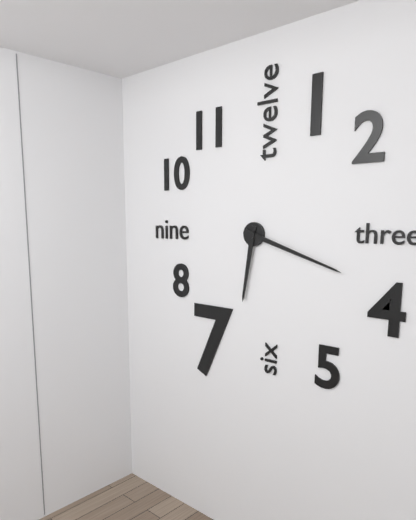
6:18
